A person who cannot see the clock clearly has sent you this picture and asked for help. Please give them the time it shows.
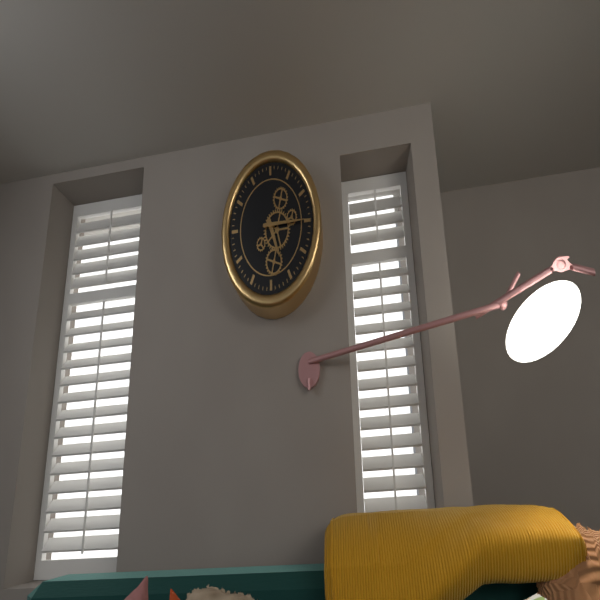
5:15
